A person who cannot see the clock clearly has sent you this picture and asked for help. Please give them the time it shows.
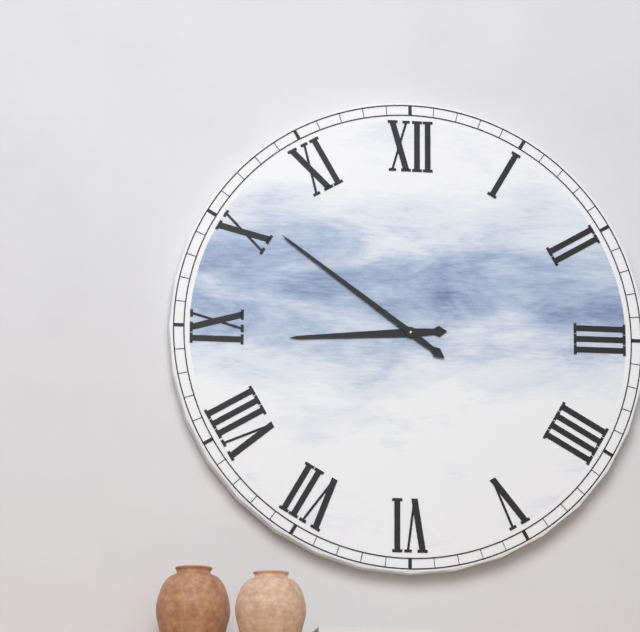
8:51
